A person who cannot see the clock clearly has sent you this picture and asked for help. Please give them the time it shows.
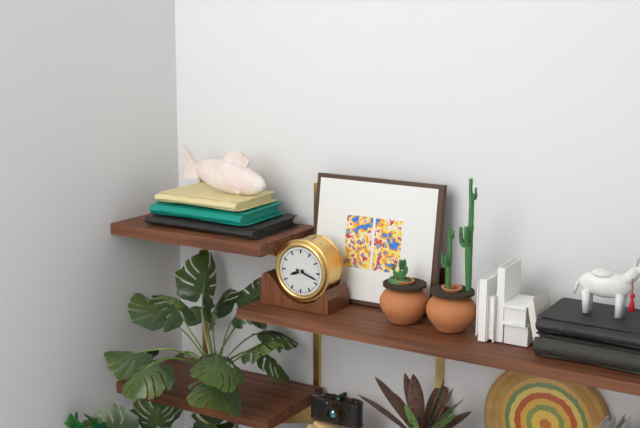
8:18
